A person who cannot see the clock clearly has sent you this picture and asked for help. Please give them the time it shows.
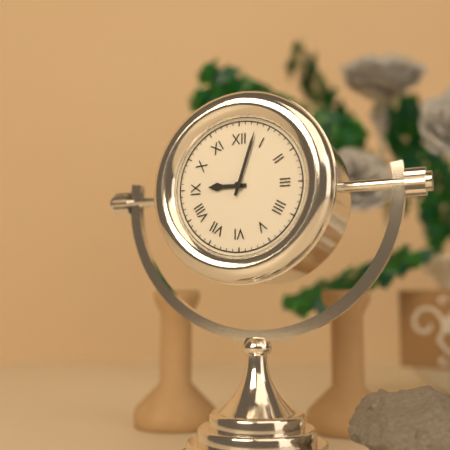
9:03
